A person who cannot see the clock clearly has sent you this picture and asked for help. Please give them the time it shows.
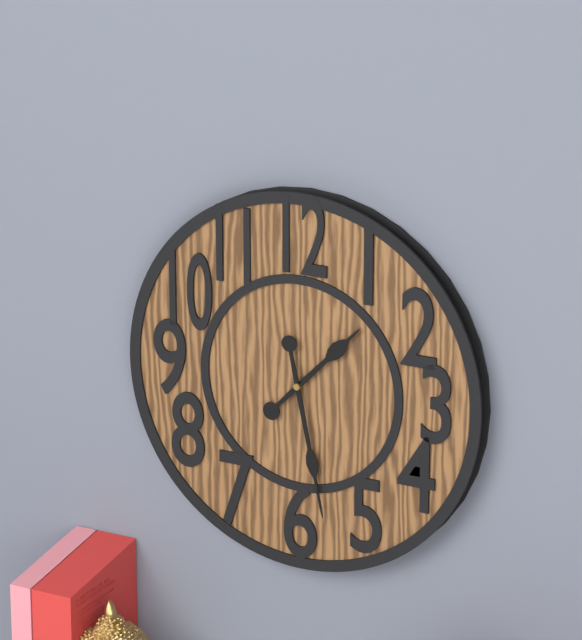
1:28
